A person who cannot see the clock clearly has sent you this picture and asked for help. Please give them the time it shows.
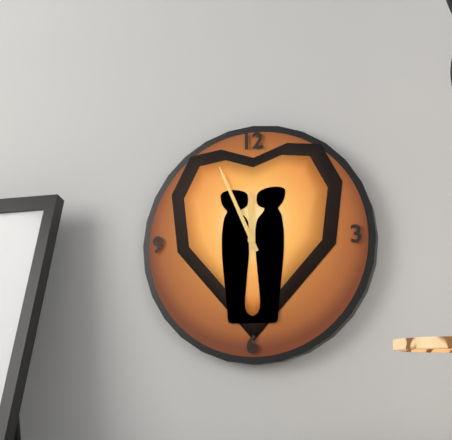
11:56
